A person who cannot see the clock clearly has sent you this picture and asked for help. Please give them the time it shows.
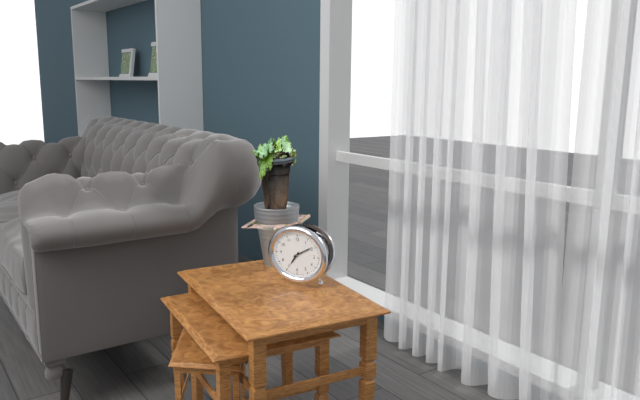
7:10
